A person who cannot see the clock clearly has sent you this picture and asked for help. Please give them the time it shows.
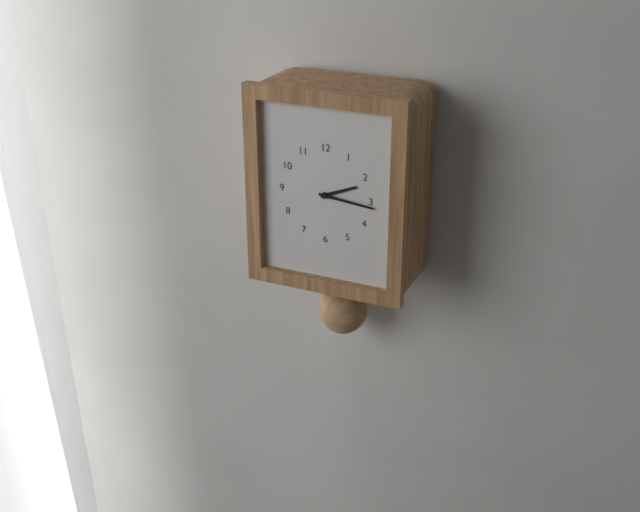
2:16
